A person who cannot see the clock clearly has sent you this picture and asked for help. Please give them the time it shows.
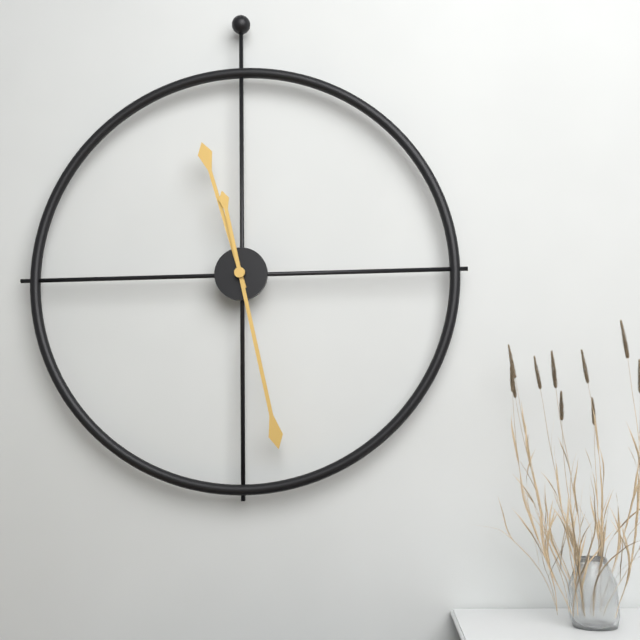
11:28
